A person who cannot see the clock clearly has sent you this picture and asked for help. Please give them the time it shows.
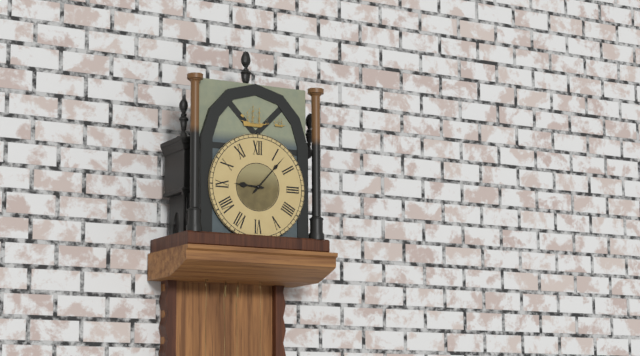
9:07
